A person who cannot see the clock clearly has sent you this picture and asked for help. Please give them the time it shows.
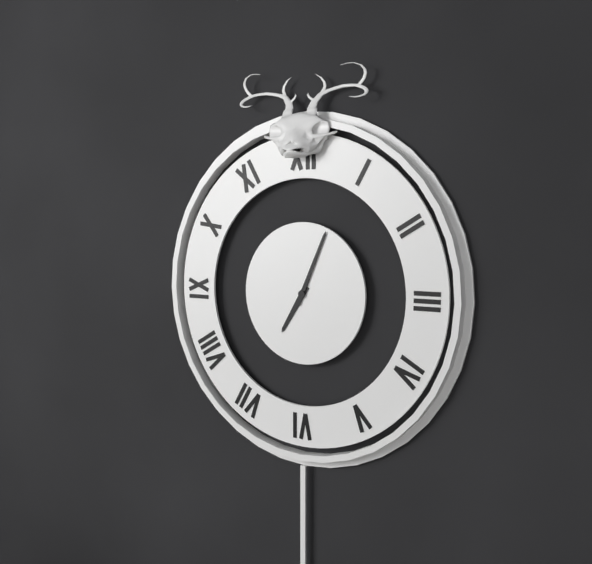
7:04
